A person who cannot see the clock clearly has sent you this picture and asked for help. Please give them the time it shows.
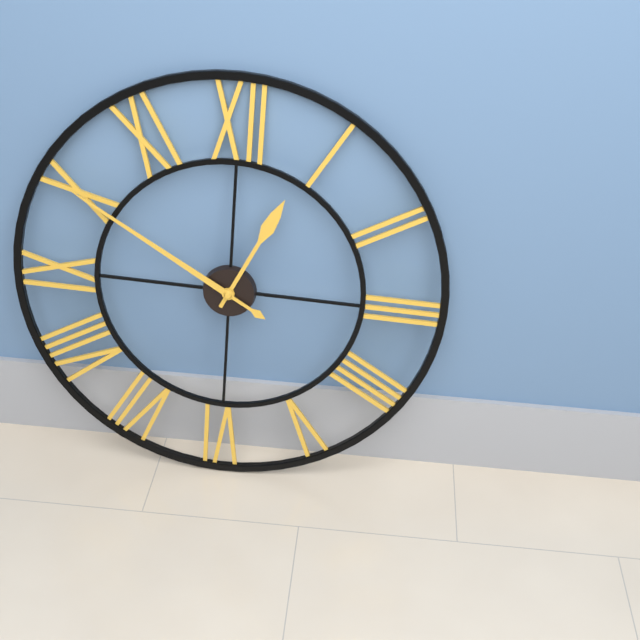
12:50
